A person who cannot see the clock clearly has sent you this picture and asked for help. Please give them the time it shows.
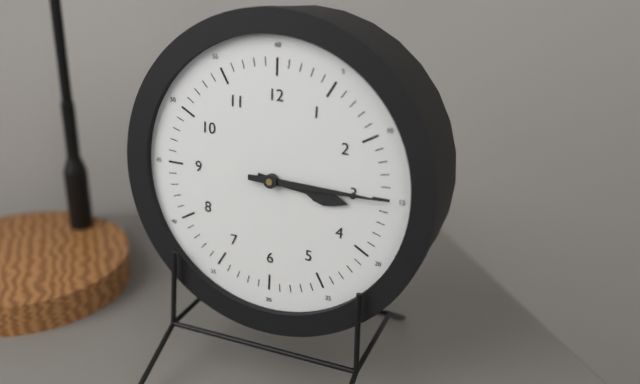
3:15
